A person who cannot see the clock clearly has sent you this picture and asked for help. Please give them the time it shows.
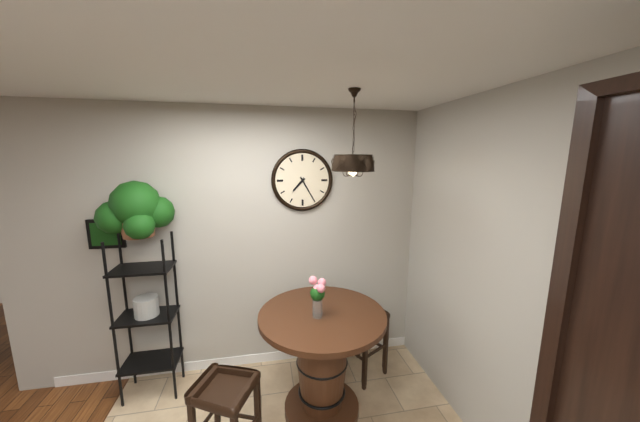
7:25
